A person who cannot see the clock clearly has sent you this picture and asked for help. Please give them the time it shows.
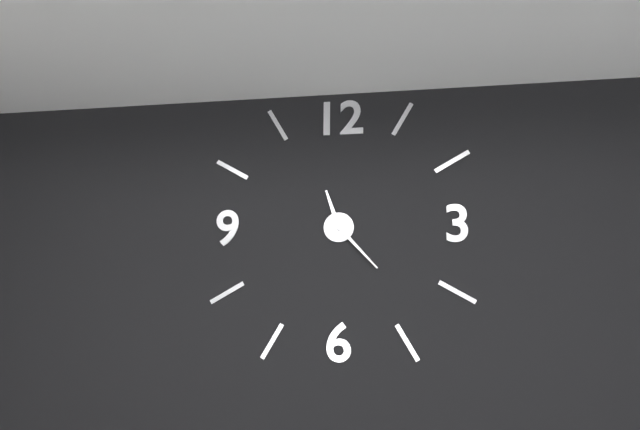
11:23
